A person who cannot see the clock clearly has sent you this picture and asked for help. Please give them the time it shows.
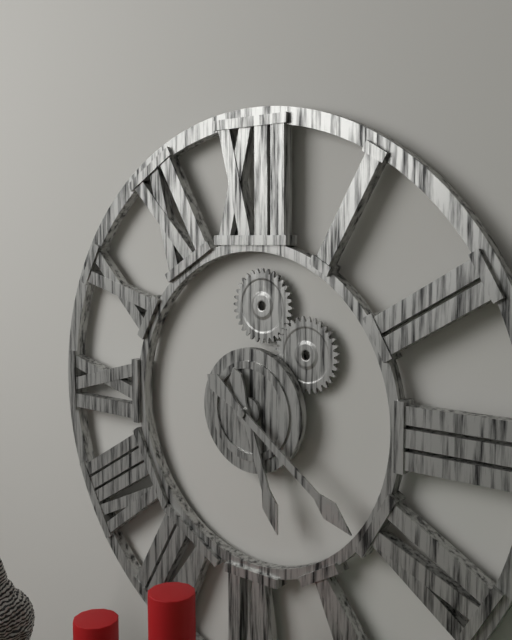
5:21
